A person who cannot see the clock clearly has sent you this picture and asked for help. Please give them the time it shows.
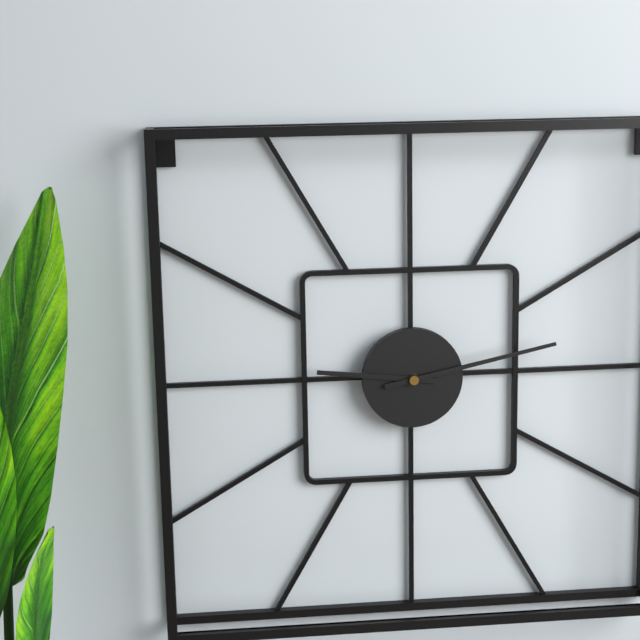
9:13
